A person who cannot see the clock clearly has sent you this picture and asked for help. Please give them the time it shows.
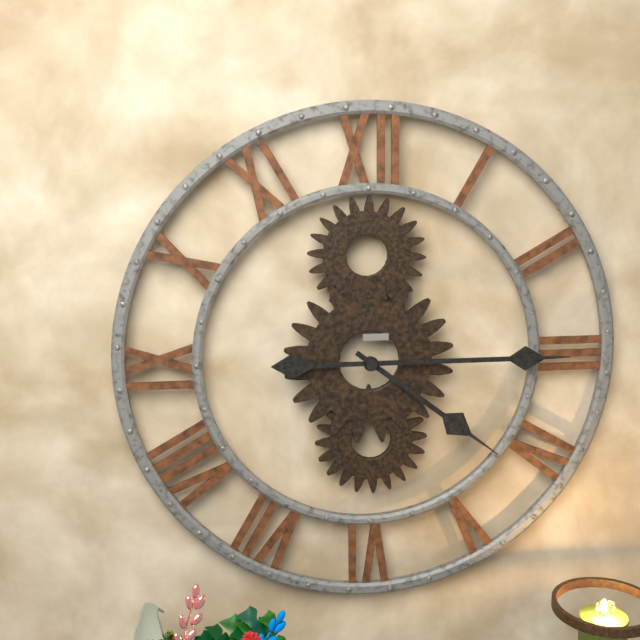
4:15
